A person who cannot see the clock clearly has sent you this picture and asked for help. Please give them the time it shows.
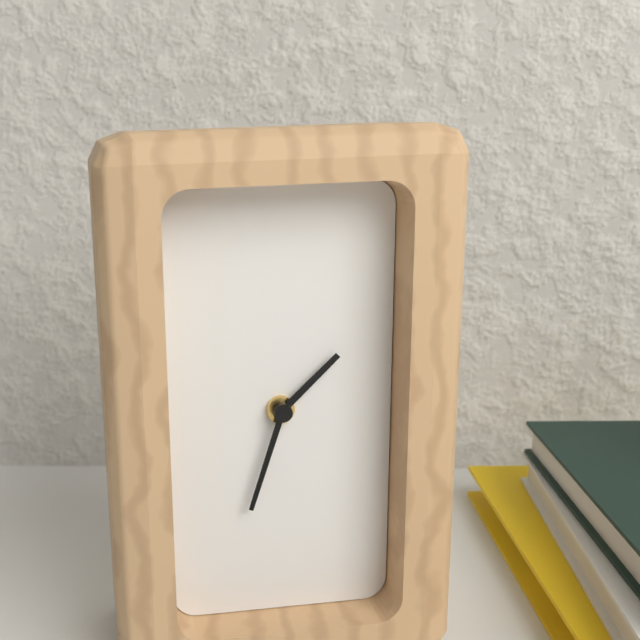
1:33
